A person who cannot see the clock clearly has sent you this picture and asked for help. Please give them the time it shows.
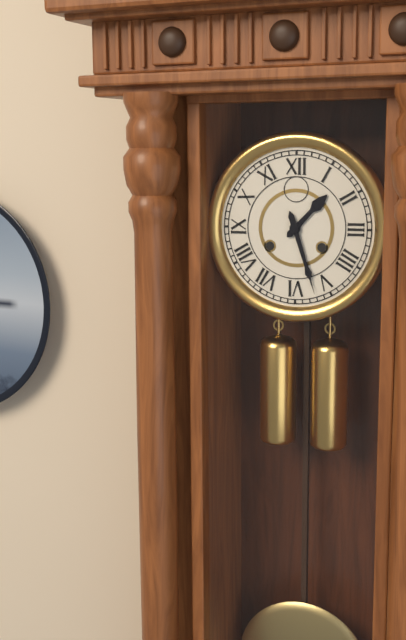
1:27
